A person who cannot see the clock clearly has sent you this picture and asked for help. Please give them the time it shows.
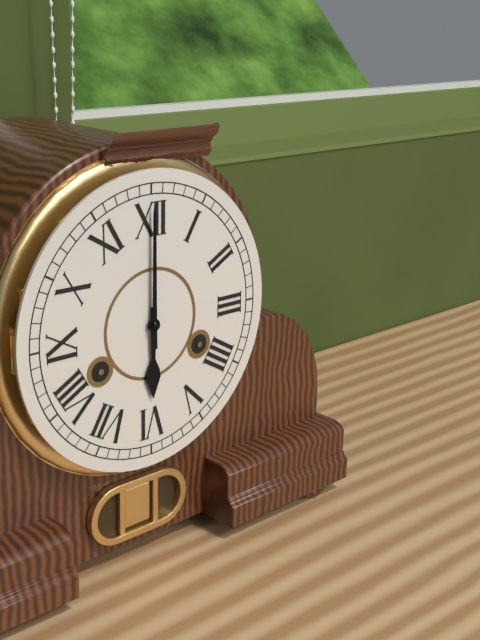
6:00
